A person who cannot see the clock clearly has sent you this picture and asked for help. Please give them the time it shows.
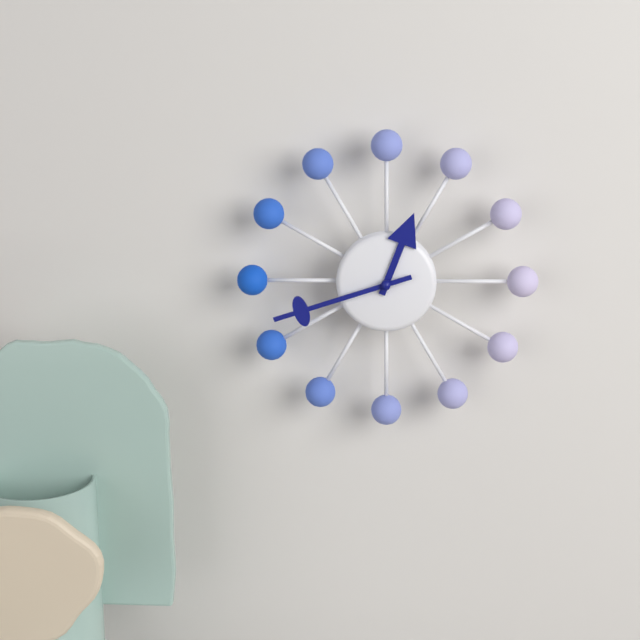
12:42
